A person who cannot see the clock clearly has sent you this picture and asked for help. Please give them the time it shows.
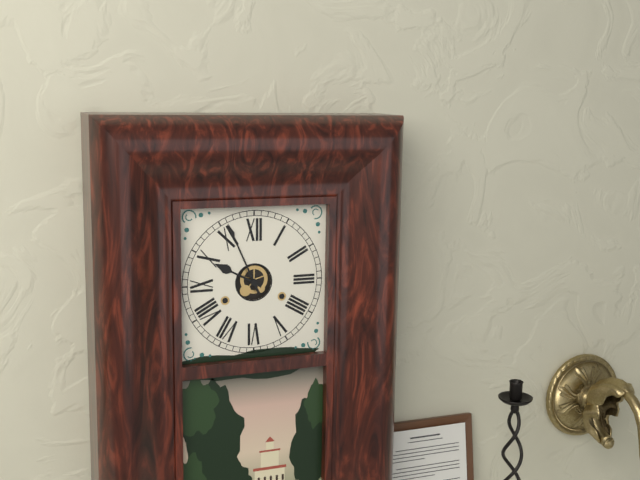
9:56
